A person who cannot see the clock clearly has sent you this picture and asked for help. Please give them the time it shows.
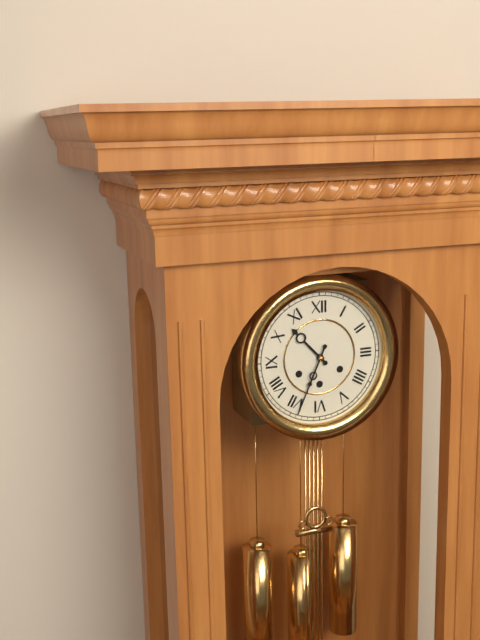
10:34
